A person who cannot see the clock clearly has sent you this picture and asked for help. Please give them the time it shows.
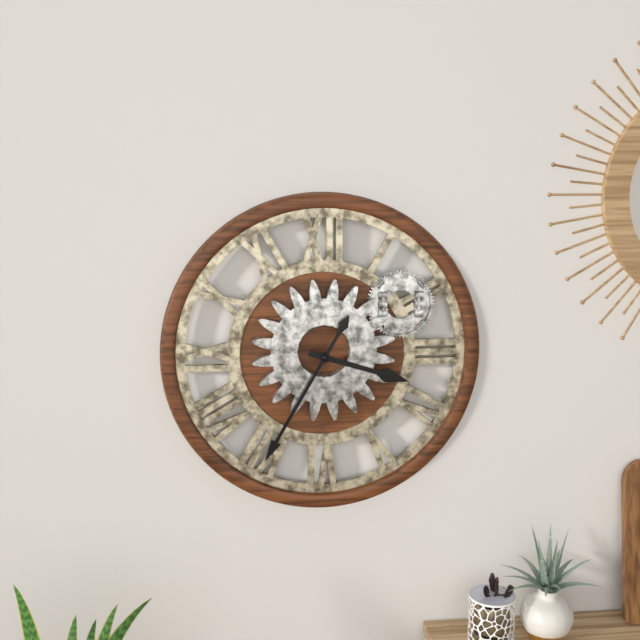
3:35
